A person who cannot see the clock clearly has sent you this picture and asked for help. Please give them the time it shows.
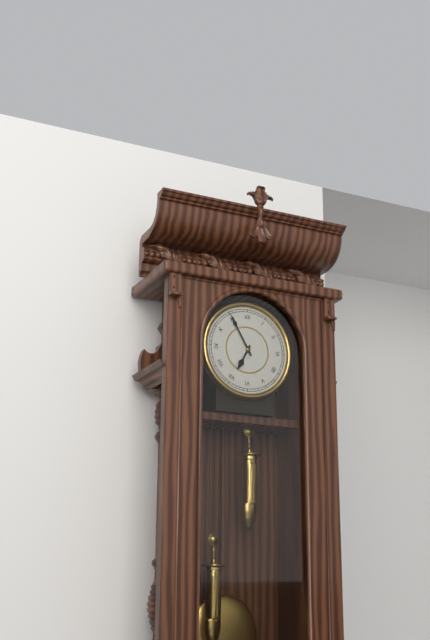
6:55
